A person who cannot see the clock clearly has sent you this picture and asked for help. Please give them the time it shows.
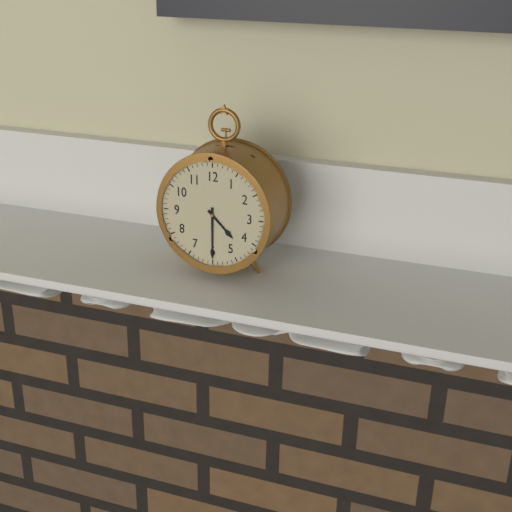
4:30
